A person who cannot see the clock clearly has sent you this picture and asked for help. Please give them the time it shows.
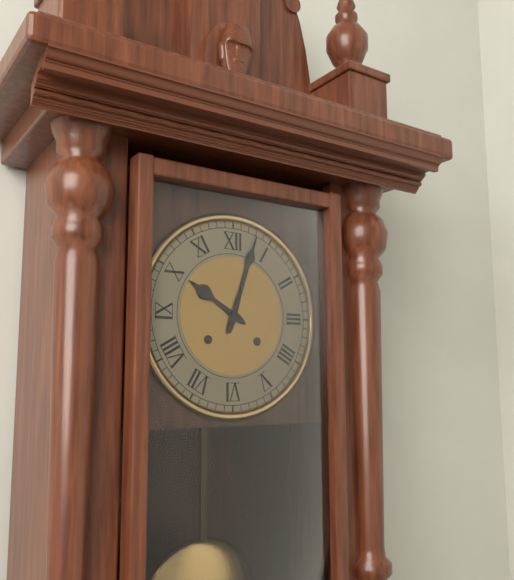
10:03
